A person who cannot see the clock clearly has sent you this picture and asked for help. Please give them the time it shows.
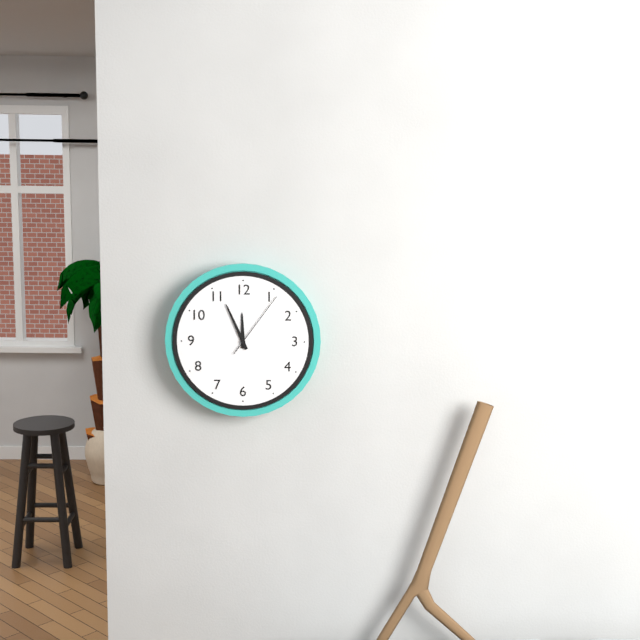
11:56:06
